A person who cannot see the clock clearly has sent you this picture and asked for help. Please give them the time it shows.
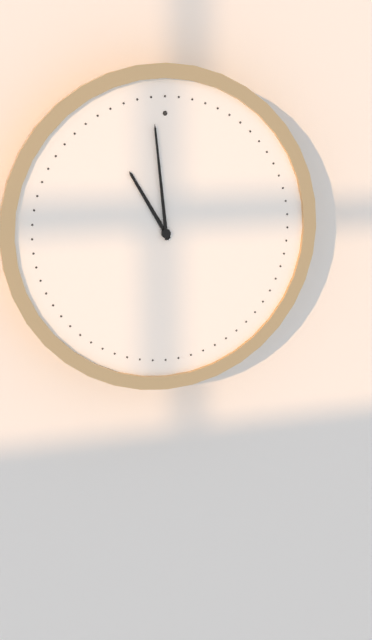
10:59
